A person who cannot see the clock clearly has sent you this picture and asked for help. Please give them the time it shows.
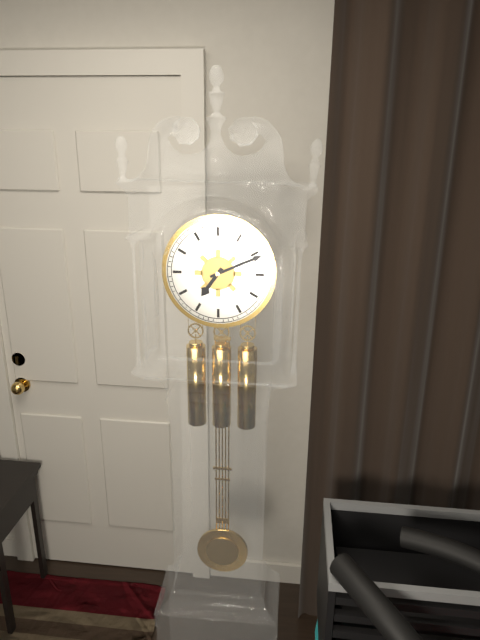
7:11
